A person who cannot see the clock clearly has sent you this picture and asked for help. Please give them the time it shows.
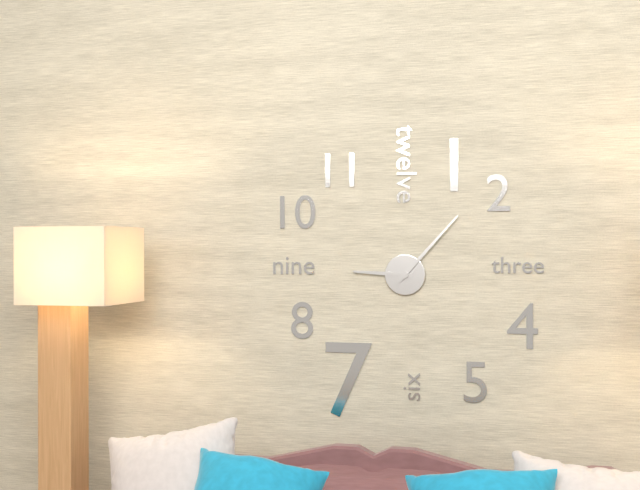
9:07
